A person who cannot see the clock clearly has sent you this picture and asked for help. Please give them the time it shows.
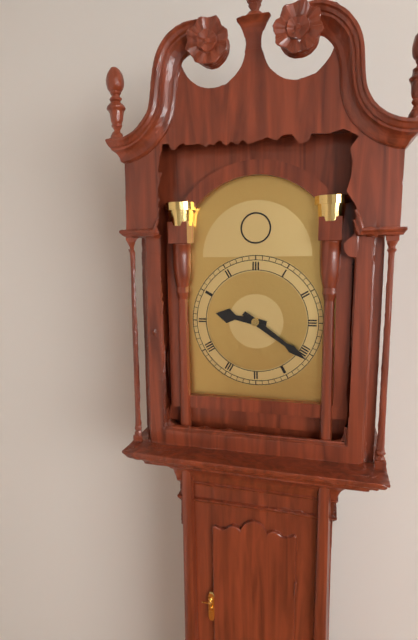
9:21
